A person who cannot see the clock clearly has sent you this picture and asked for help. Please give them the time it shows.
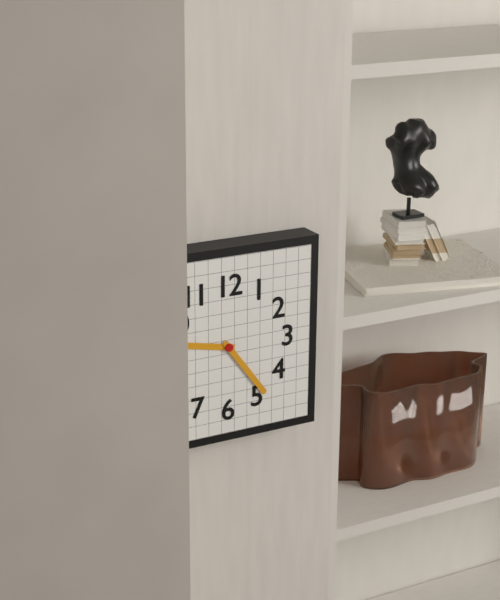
9:24
